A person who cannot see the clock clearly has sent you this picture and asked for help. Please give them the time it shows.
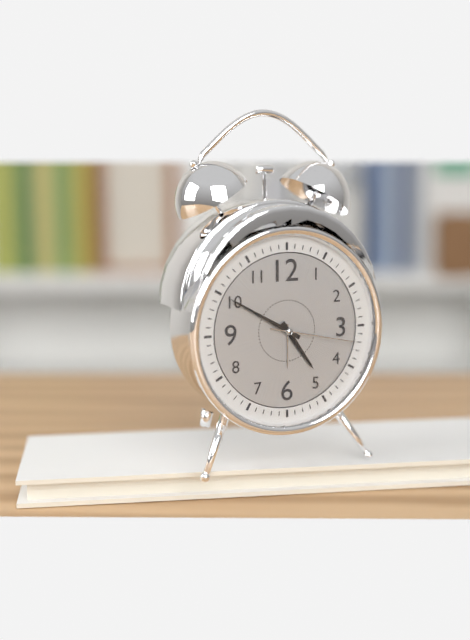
4:50:17
